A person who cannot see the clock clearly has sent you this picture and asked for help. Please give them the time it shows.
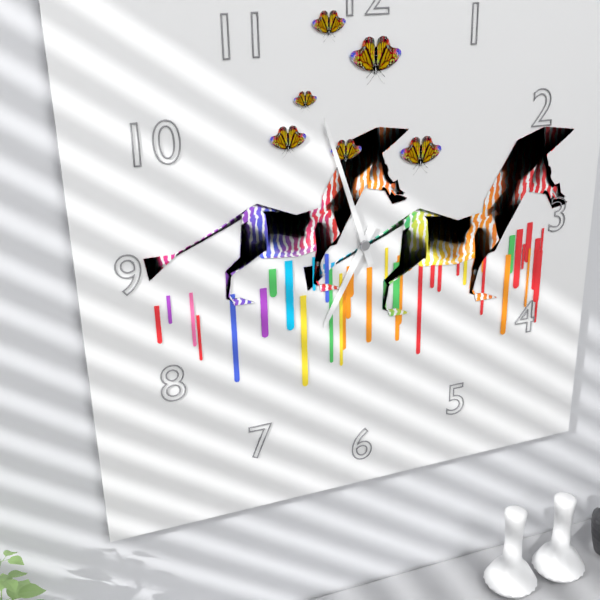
6:57
